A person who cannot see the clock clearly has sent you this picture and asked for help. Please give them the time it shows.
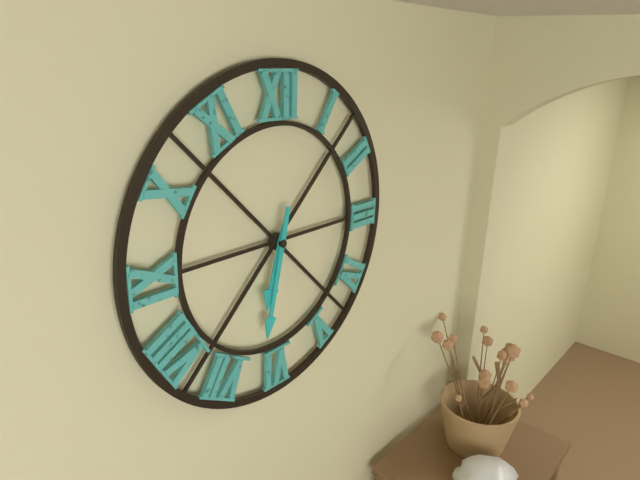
6:32
